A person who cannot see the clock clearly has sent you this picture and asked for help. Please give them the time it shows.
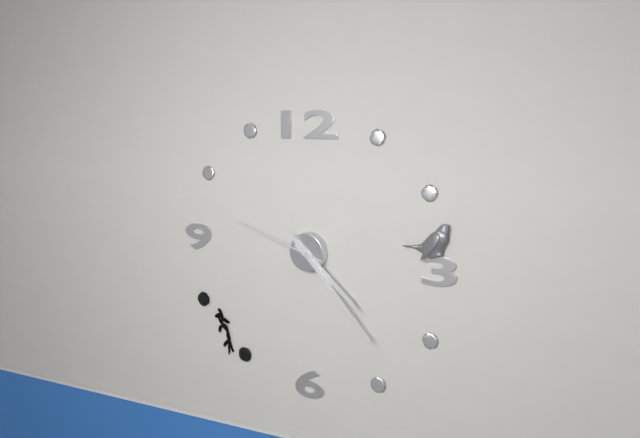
4:23:48
